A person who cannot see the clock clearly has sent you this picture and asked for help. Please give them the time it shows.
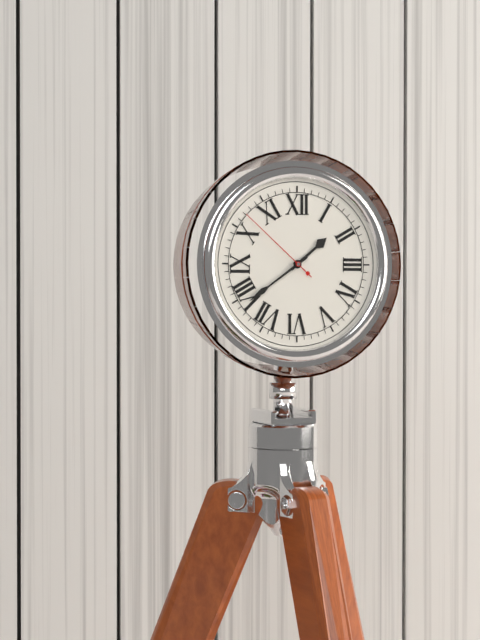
1:39:52
